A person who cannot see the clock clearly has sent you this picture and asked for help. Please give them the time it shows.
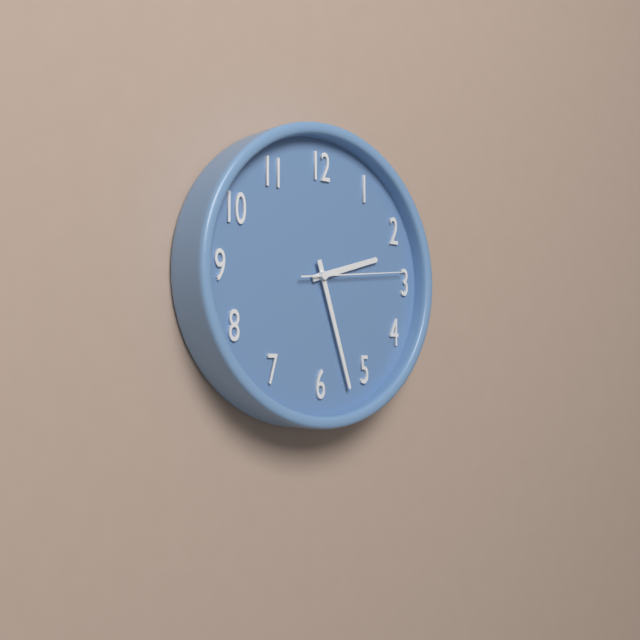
2:27:14
